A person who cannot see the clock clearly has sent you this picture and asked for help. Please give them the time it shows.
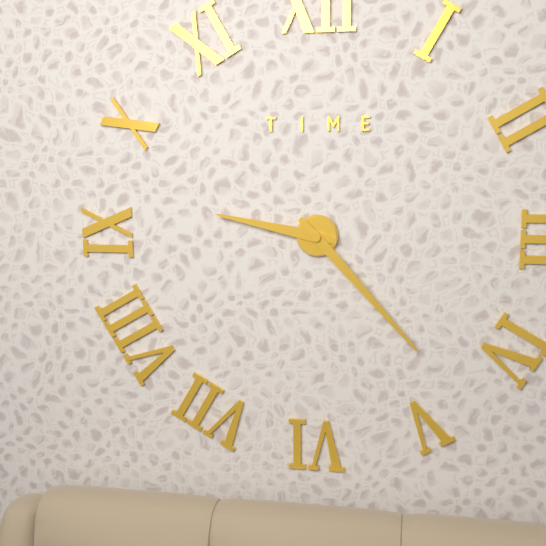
9:23
